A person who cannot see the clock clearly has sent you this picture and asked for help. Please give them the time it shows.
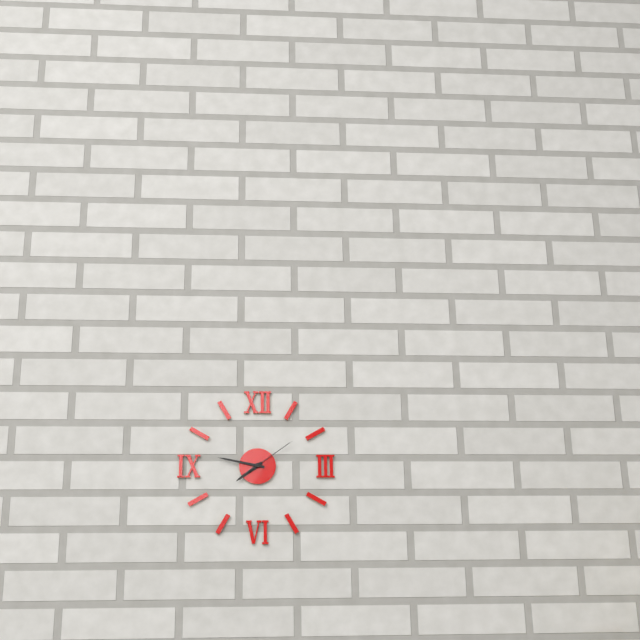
7:47:09
